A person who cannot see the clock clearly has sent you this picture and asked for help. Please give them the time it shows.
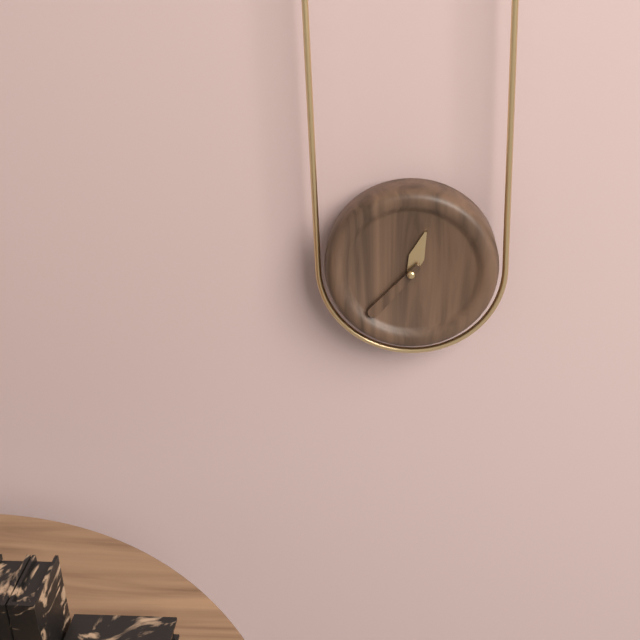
12:37
